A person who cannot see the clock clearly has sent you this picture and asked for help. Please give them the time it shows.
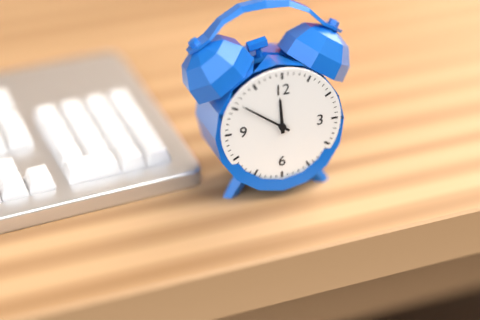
11:51
